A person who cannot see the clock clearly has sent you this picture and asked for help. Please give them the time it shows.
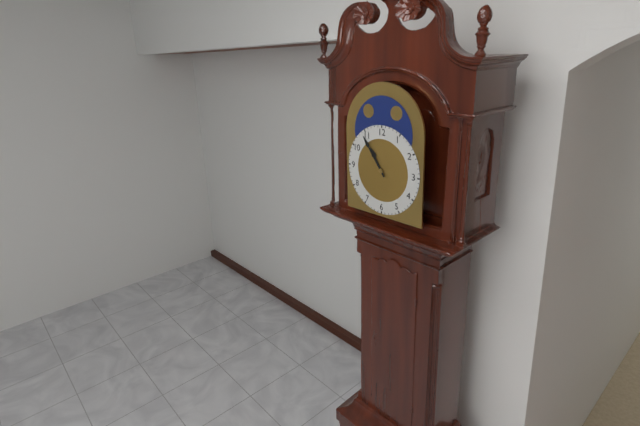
10:54
